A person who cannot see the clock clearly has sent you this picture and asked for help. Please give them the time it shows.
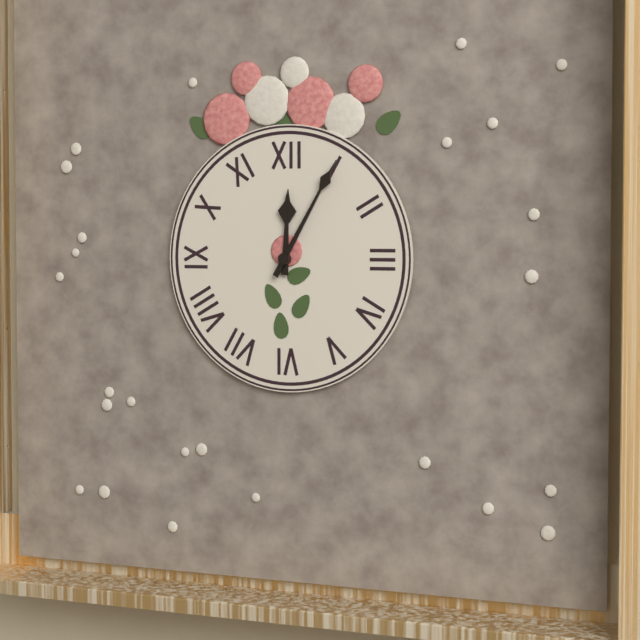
12:05
